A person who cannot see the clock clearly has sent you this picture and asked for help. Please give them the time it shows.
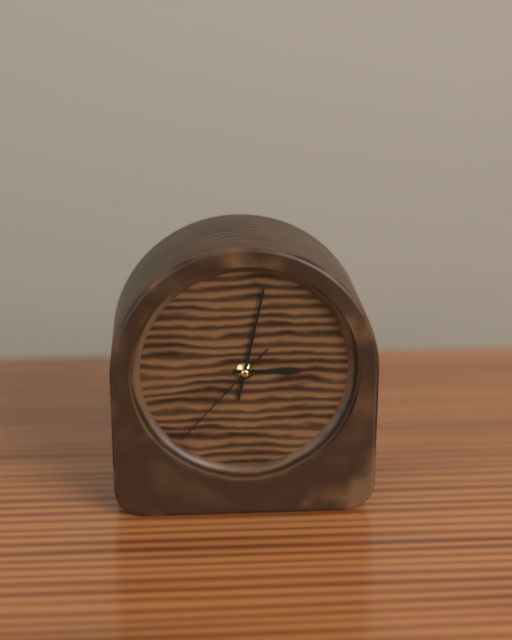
3:02:37
